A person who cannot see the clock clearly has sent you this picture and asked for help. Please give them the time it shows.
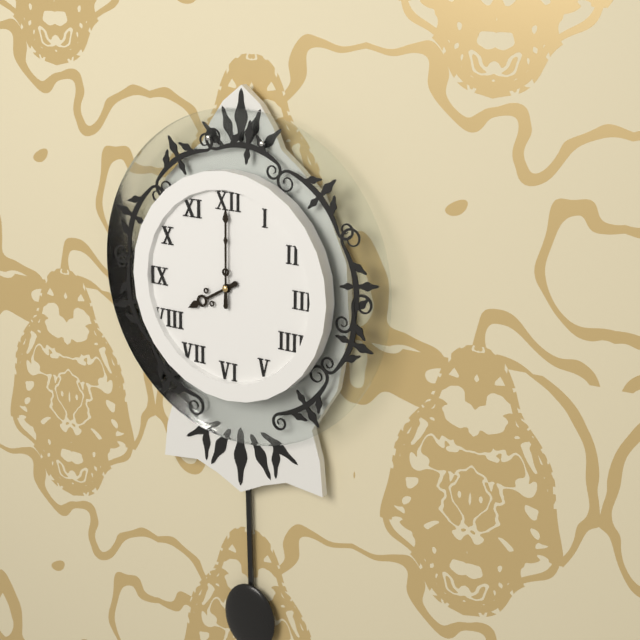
8:00
